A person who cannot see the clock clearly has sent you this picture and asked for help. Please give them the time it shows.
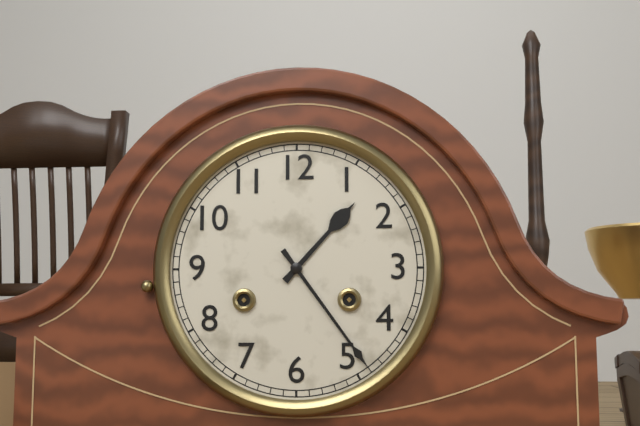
1:24
